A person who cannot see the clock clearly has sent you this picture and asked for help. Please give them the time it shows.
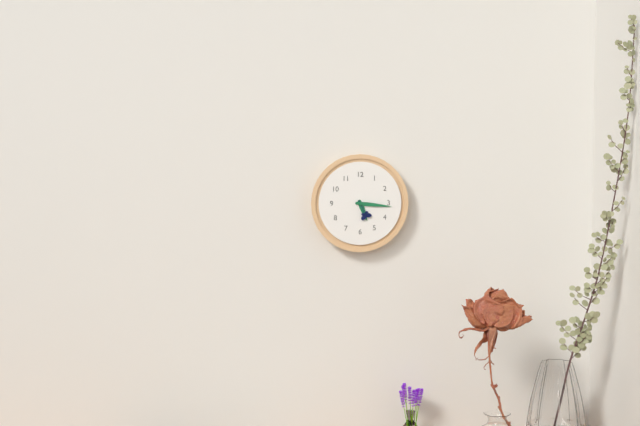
5:16
